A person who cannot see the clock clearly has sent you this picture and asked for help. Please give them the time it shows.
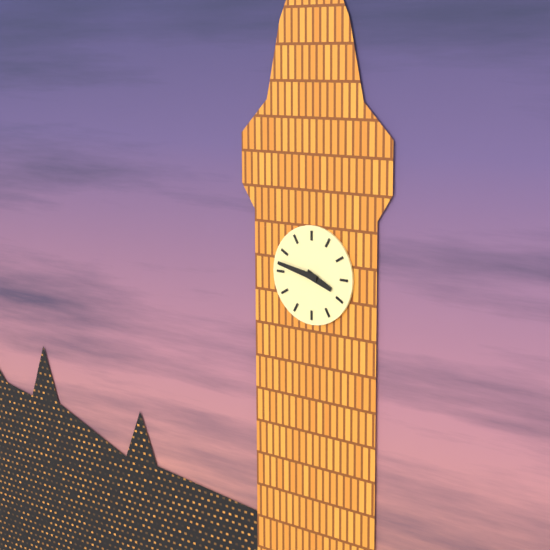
3:47
